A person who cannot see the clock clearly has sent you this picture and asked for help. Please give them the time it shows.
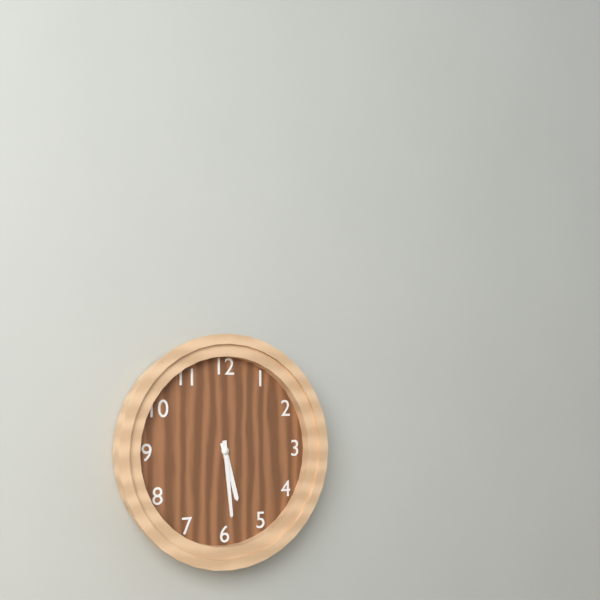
5:29
